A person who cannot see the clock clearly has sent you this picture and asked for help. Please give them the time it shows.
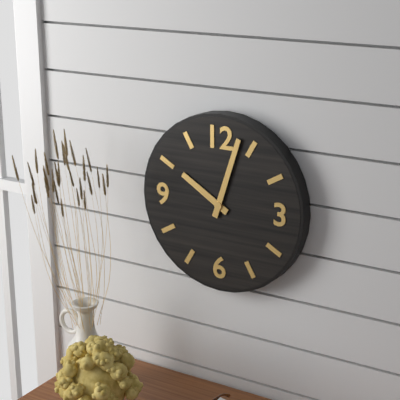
10:03
